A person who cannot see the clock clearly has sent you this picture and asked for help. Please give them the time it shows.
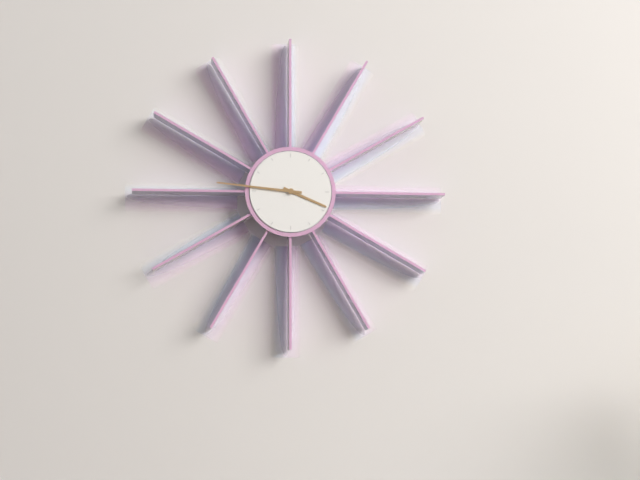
3:46
